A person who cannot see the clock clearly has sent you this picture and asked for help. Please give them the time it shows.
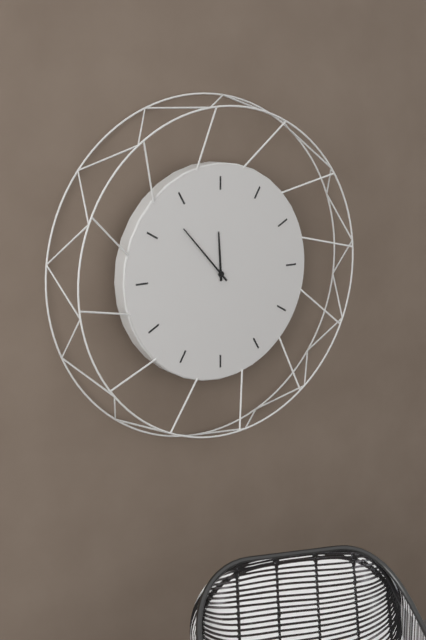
11:53
